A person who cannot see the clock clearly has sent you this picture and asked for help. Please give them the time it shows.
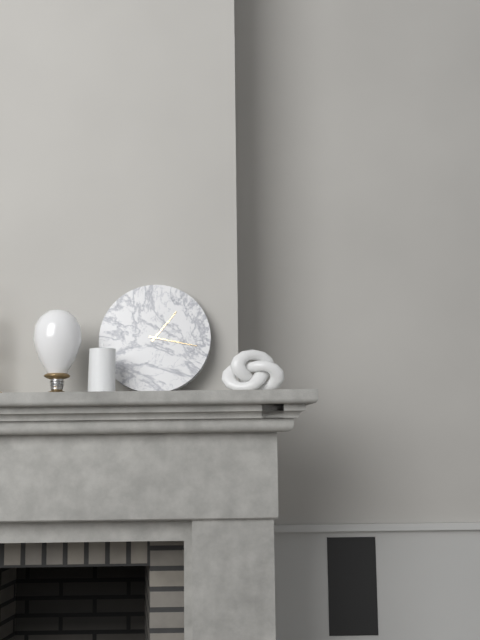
1:17
